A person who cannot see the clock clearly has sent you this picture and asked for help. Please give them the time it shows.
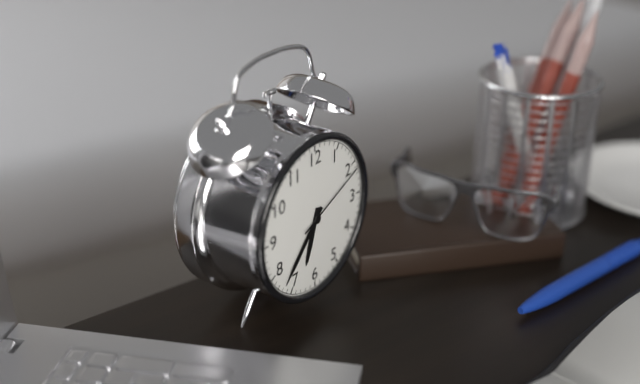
6:37:11
